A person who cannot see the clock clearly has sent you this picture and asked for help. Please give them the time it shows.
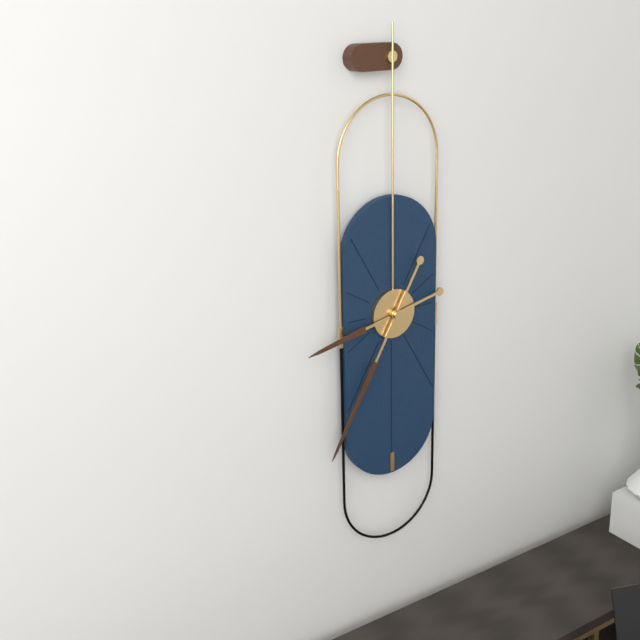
8:35
